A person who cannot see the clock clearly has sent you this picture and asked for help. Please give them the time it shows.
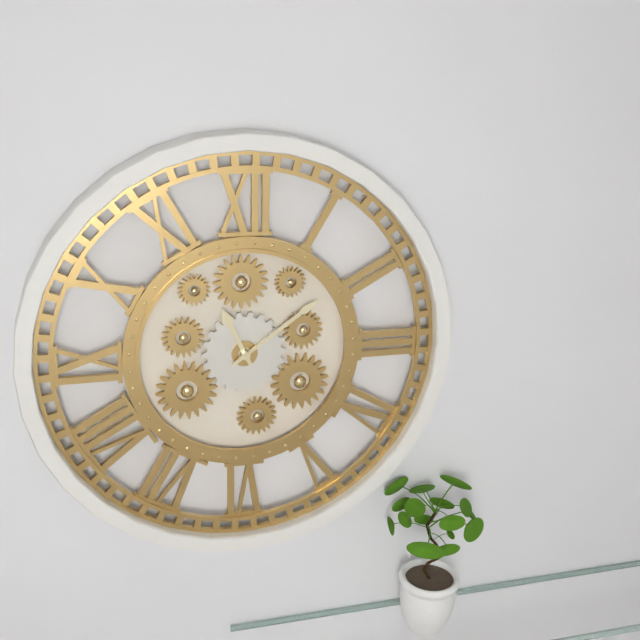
11:09
